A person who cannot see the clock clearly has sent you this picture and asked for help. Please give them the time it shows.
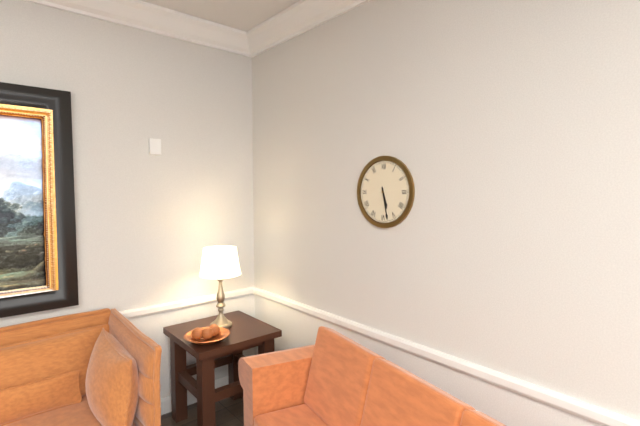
5:28
